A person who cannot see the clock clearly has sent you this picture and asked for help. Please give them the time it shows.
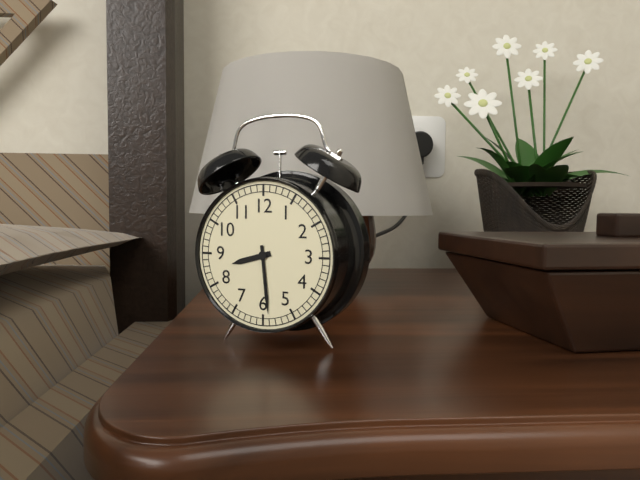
8:29
